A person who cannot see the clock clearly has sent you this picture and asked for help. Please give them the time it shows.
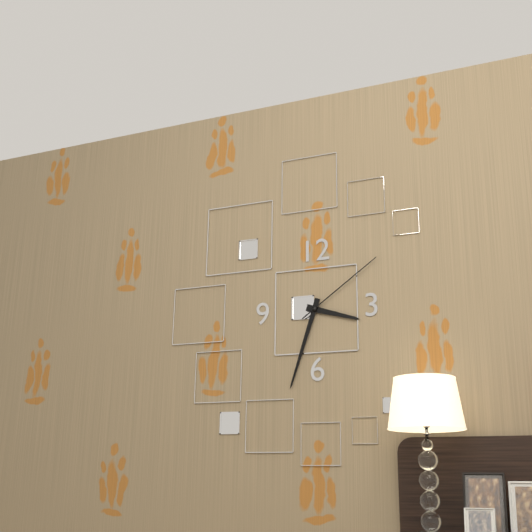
3:33:09
